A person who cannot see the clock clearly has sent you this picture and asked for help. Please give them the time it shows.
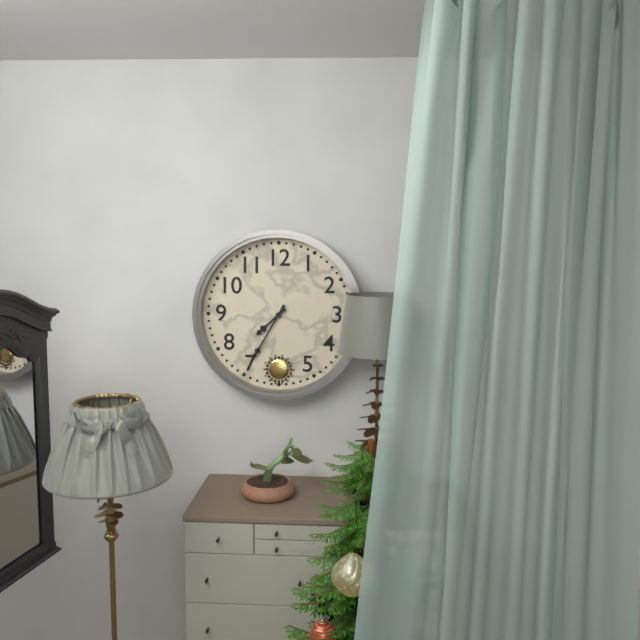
7:35
